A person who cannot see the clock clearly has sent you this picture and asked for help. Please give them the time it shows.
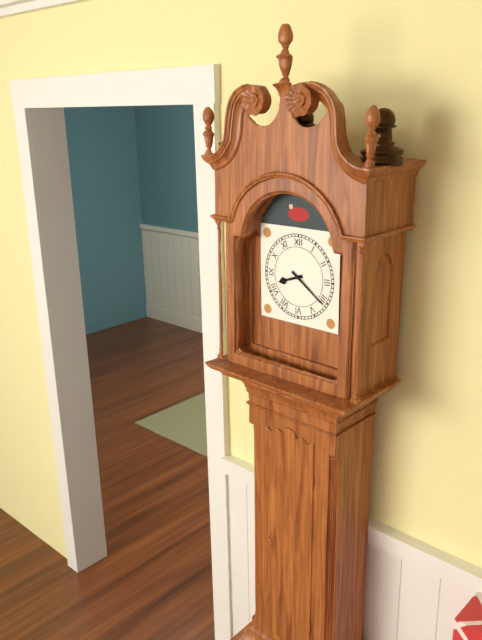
8:21
